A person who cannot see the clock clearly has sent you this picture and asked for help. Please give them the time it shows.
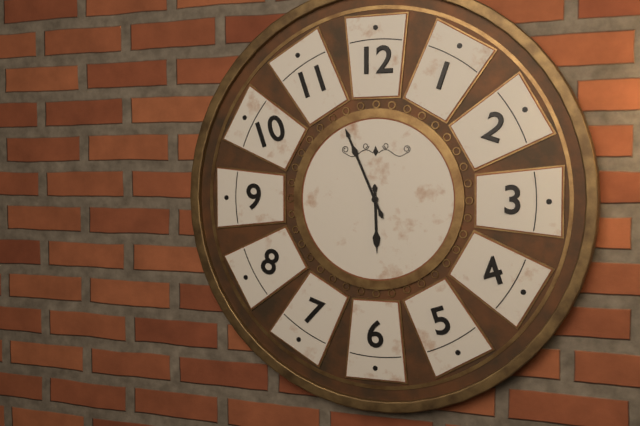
5:56
